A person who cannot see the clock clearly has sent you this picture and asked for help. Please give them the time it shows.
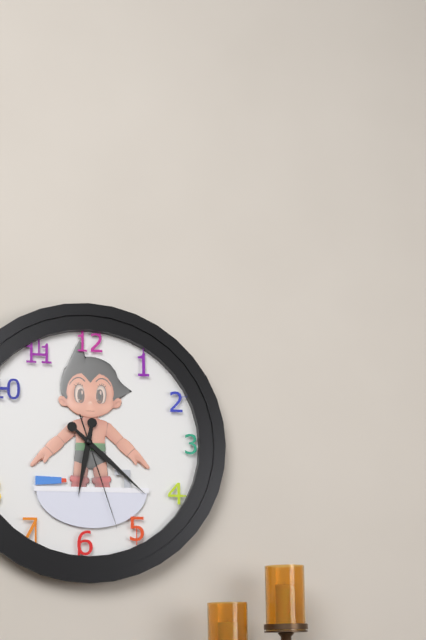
6:22:27
